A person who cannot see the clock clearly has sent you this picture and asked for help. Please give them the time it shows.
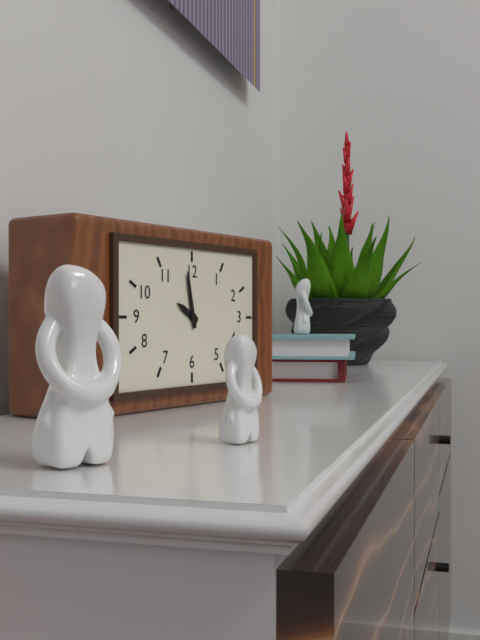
9:58
